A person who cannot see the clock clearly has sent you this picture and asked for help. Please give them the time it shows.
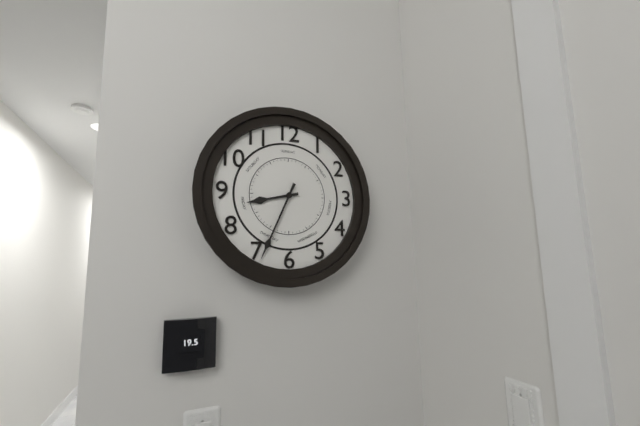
8:34
